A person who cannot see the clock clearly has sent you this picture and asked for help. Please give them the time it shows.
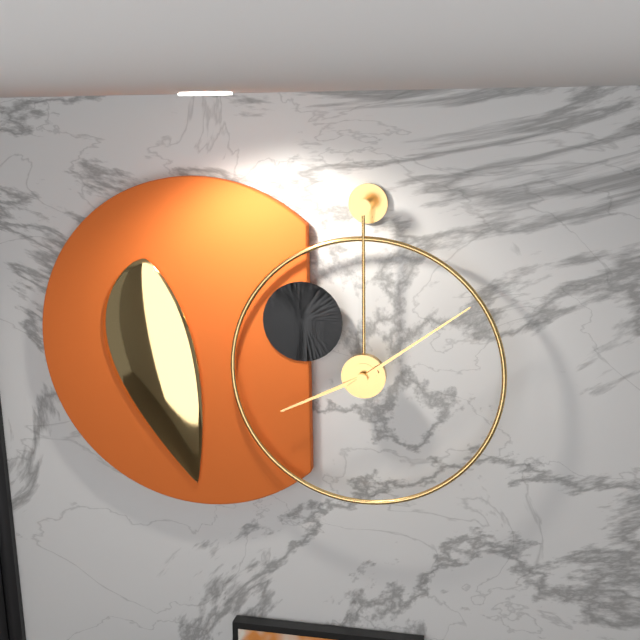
8:09
